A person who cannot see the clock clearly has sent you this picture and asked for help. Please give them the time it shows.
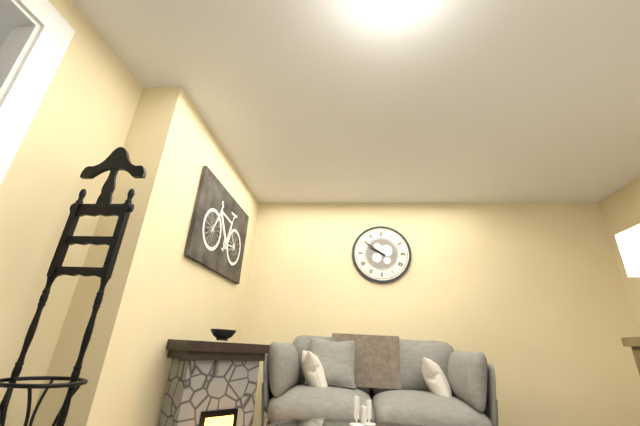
9:51
